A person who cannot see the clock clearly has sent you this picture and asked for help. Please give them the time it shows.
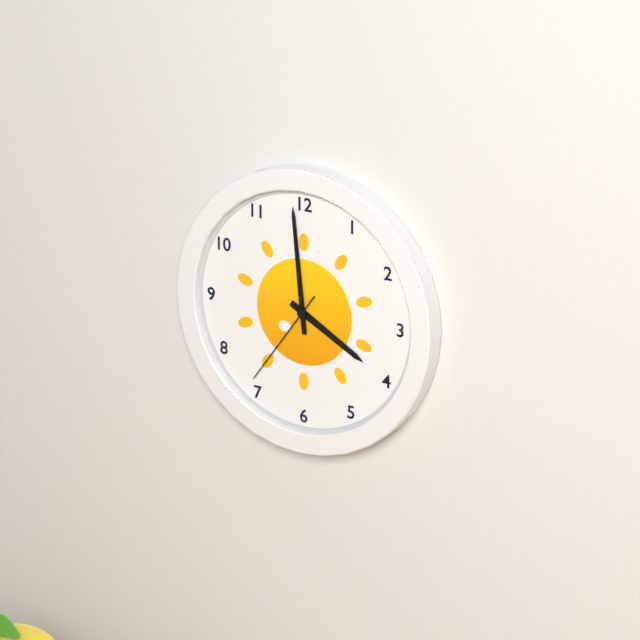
3:59:36
